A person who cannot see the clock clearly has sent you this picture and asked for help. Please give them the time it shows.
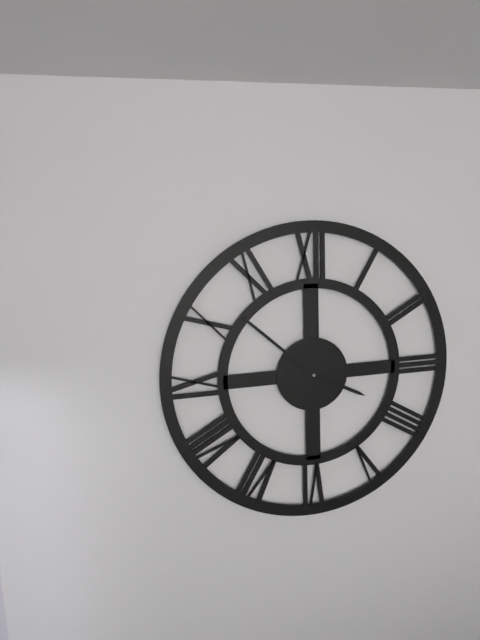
3:52
